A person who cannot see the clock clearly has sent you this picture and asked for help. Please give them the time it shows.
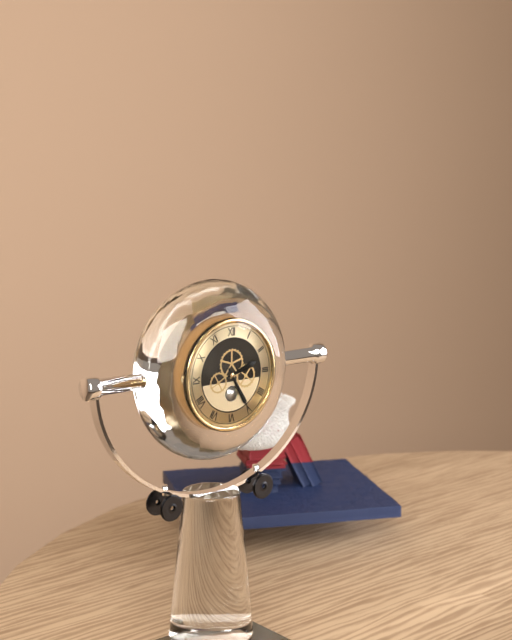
2:25
